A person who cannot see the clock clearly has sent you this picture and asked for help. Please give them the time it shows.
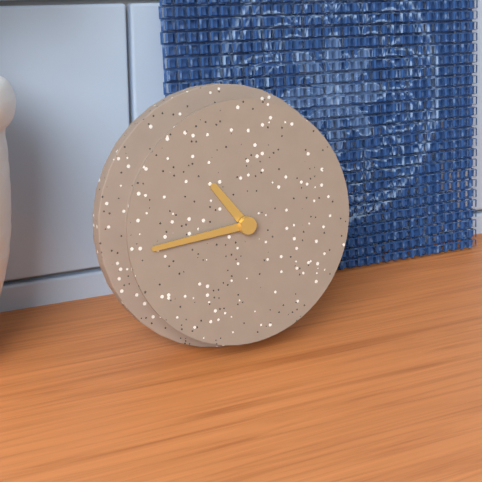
10:44
